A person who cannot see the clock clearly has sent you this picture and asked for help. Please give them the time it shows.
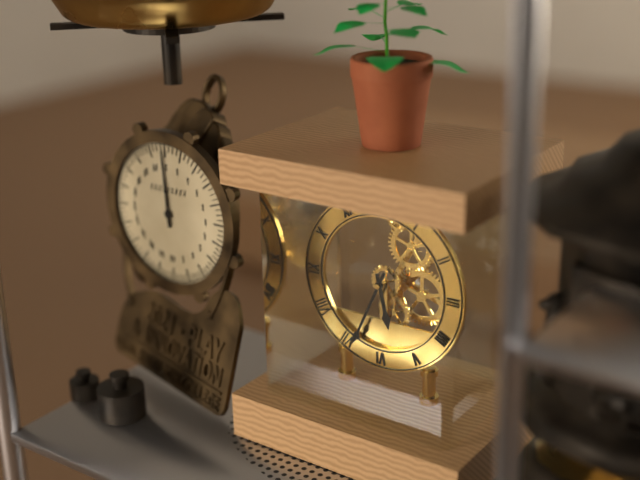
5:34
